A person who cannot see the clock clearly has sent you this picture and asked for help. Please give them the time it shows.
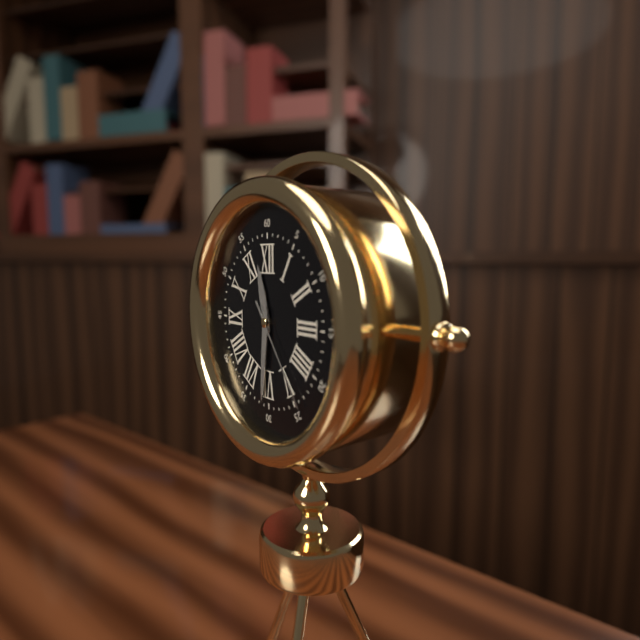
11:31:24
